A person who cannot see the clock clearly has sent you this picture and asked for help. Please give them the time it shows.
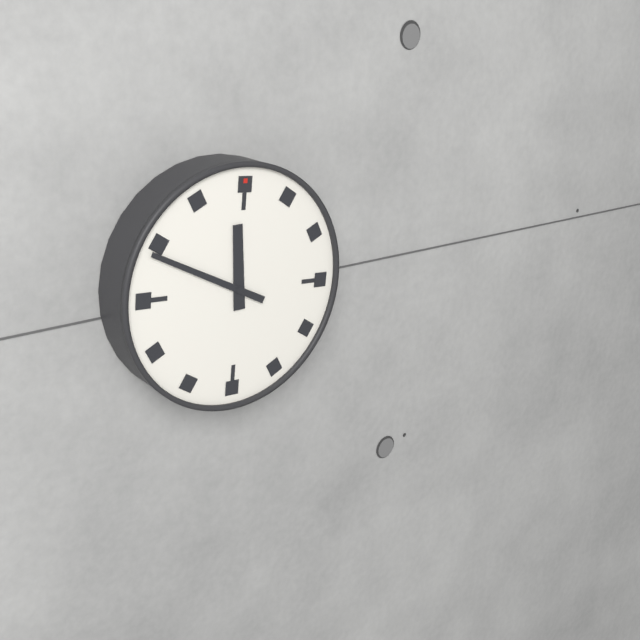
11:49
